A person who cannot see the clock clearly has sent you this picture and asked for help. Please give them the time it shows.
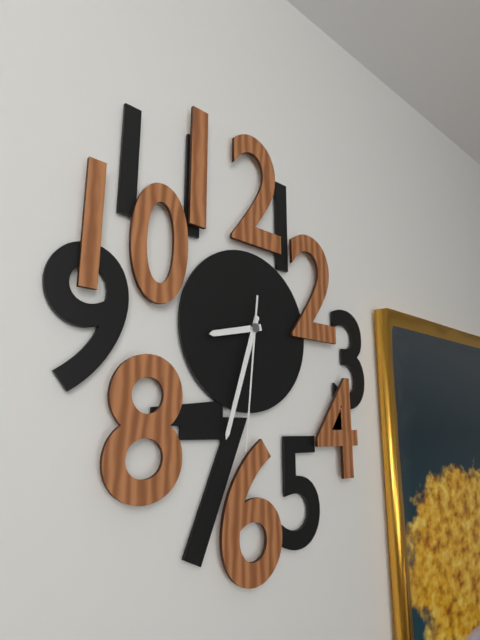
8:33:31
